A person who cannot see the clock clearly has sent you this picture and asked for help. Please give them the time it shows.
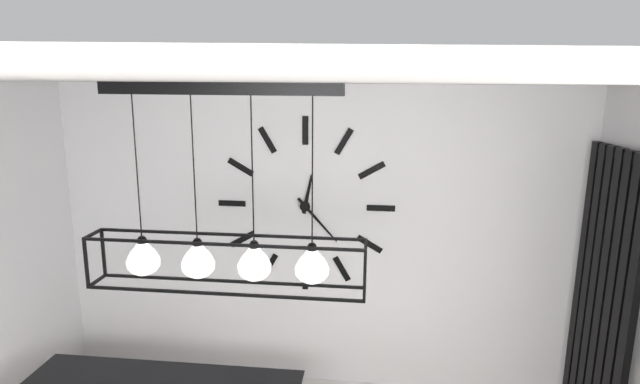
12:23
